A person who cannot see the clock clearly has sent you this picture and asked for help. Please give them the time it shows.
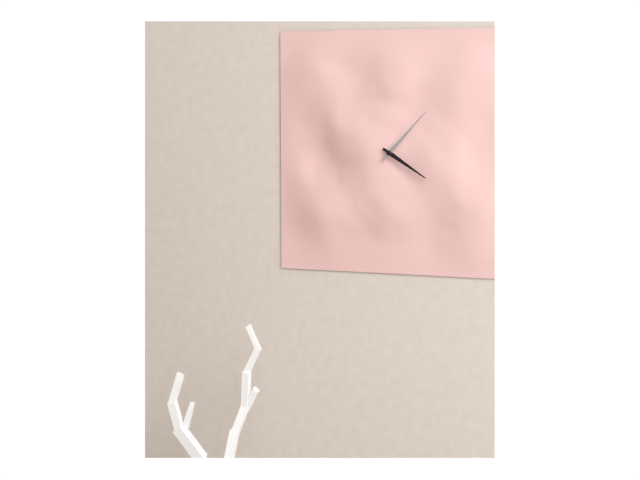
4:07
